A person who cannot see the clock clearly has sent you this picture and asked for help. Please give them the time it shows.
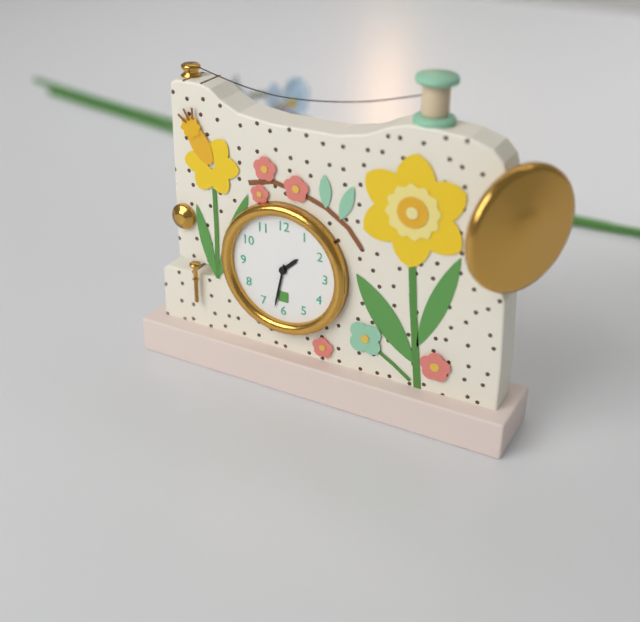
1:32
